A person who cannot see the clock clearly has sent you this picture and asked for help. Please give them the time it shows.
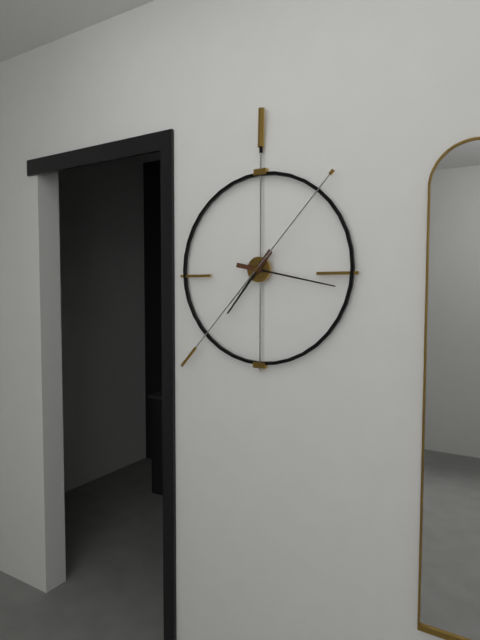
7:17:37
